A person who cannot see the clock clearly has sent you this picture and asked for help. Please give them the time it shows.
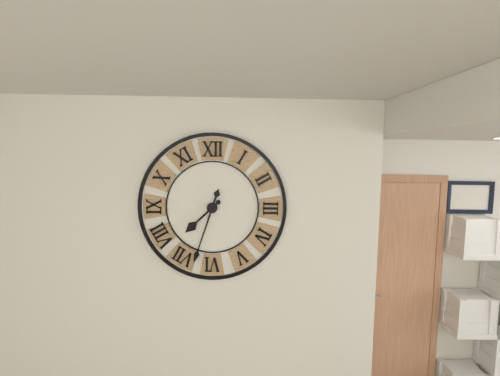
7:33
